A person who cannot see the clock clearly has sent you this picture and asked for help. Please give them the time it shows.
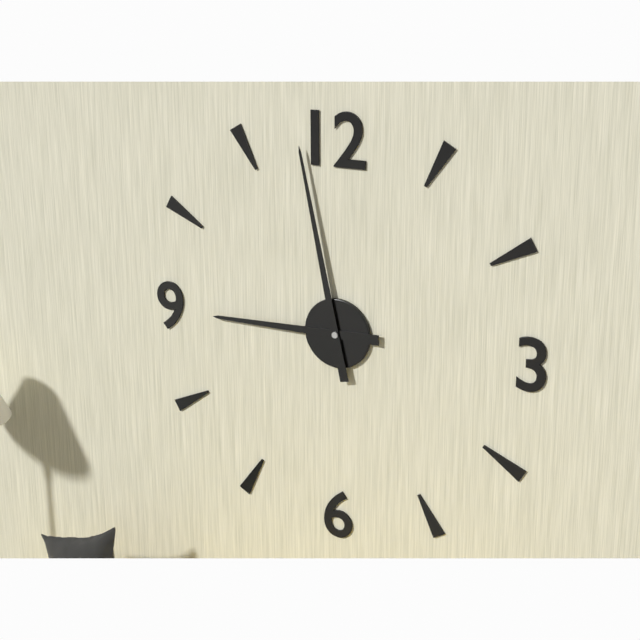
8:58
